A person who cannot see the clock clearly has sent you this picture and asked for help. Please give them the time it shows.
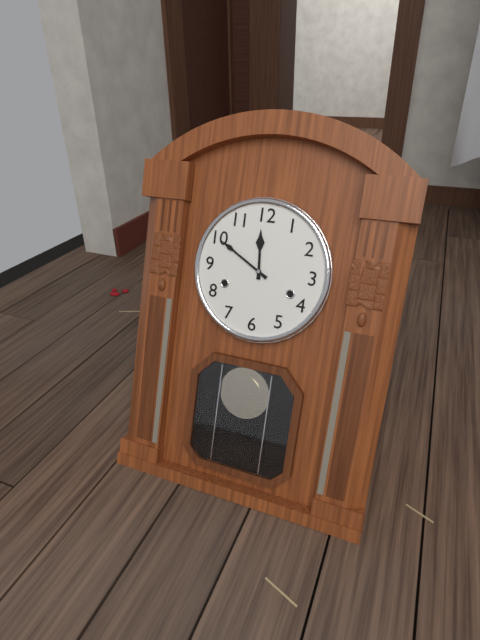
11:50
